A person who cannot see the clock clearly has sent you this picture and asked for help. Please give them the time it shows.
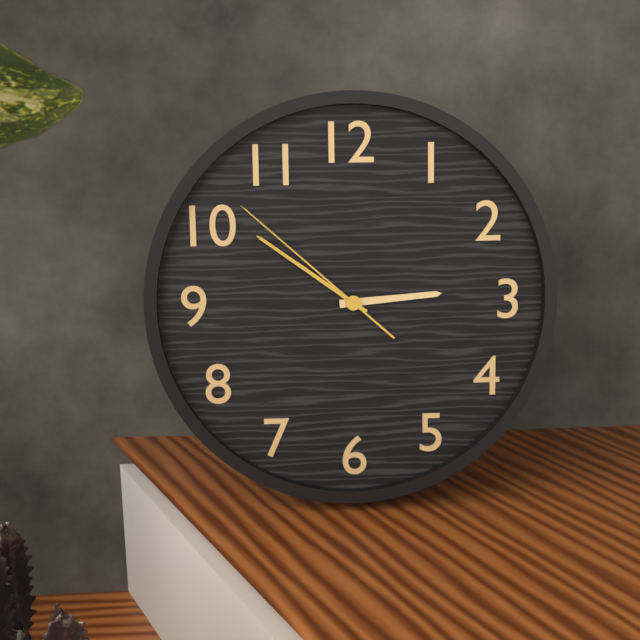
2:51:52
